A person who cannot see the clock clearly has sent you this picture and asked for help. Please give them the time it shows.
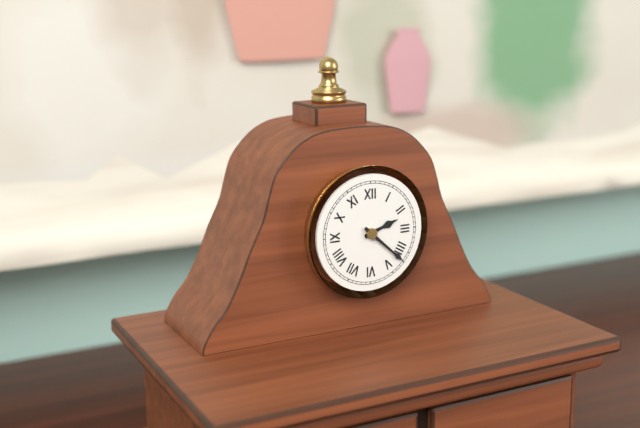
2:22
